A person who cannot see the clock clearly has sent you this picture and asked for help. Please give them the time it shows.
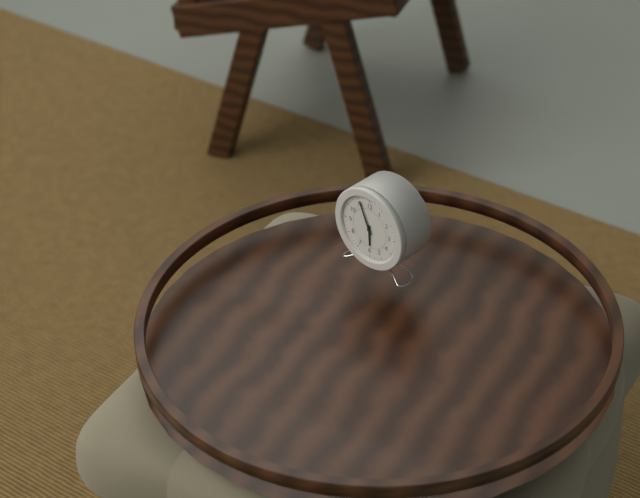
5:56
